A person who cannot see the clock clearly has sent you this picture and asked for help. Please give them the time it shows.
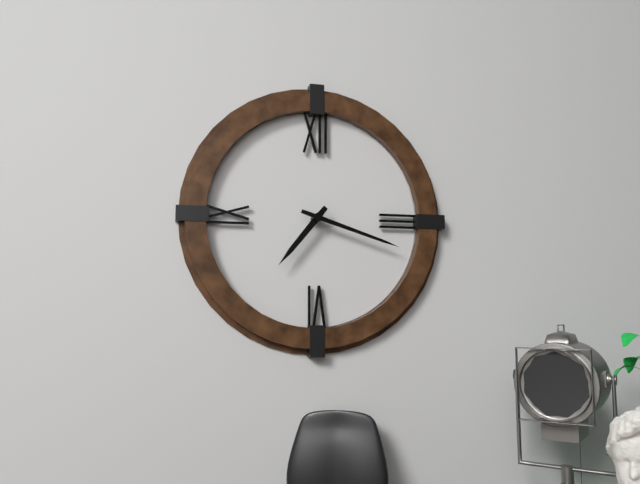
7:18
